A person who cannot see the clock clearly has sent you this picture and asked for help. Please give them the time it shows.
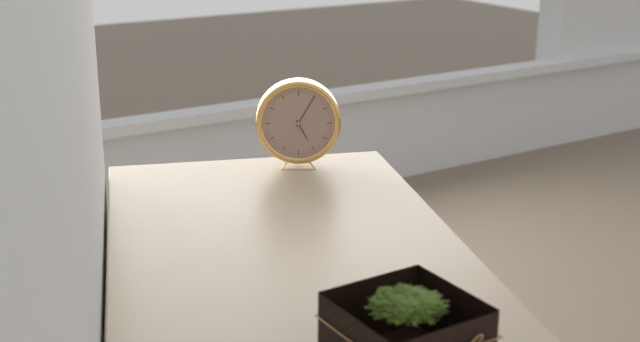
5:05
